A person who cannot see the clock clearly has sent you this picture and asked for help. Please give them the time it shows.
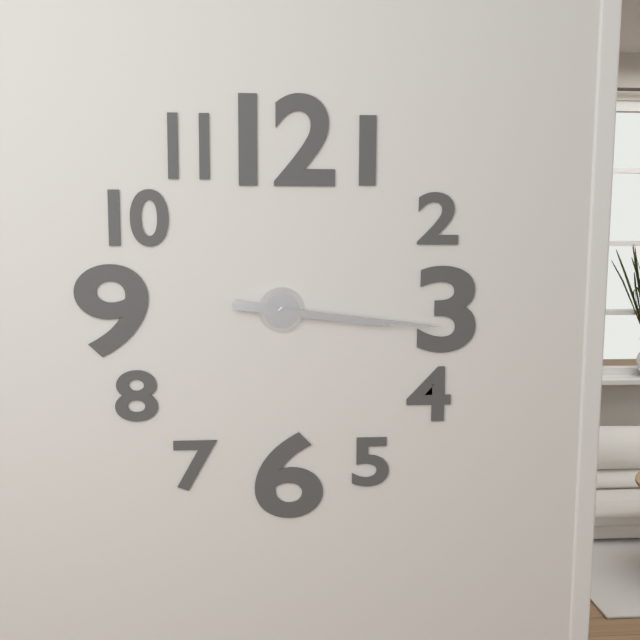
3:16
